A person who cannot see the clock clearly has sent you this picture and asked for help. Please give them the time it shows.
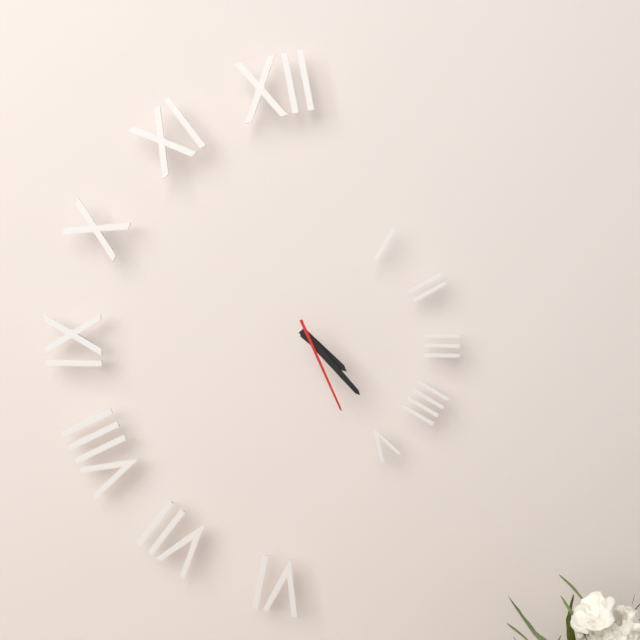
4:23:26
